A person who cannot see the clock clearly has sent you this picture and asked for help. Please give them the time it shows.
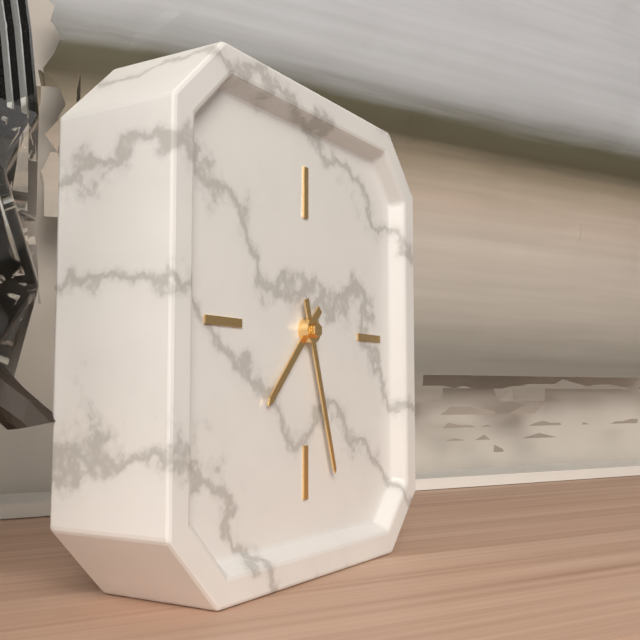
7:27
